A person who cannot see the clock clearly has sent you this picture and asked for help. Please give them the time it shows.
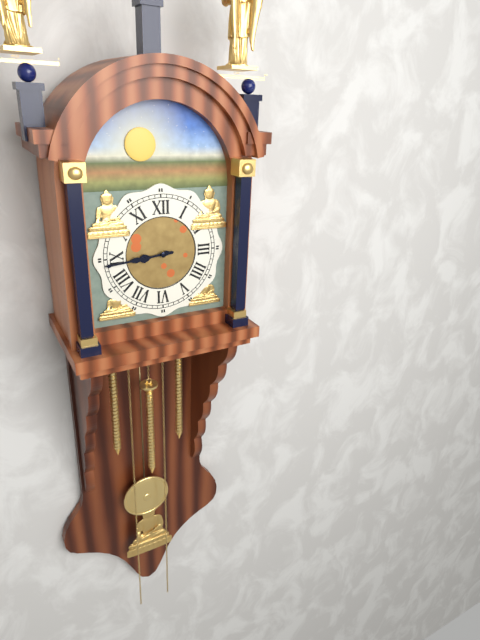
8:44
